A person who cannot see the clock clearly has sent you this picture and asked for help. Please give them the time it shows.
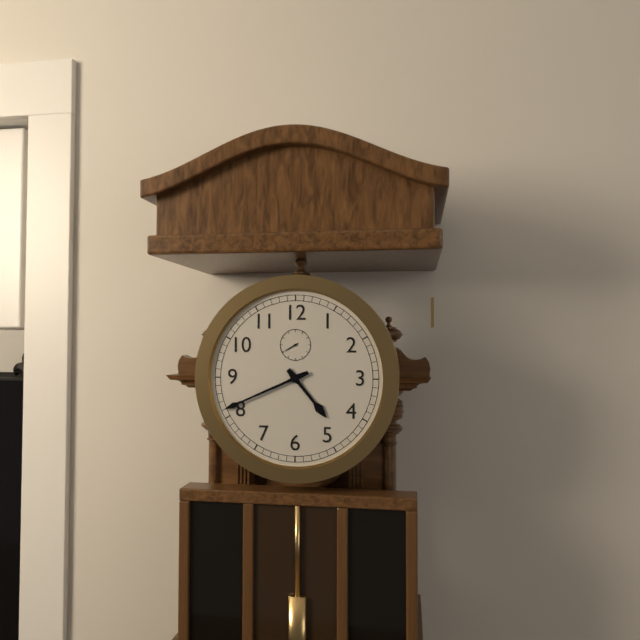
4:41
